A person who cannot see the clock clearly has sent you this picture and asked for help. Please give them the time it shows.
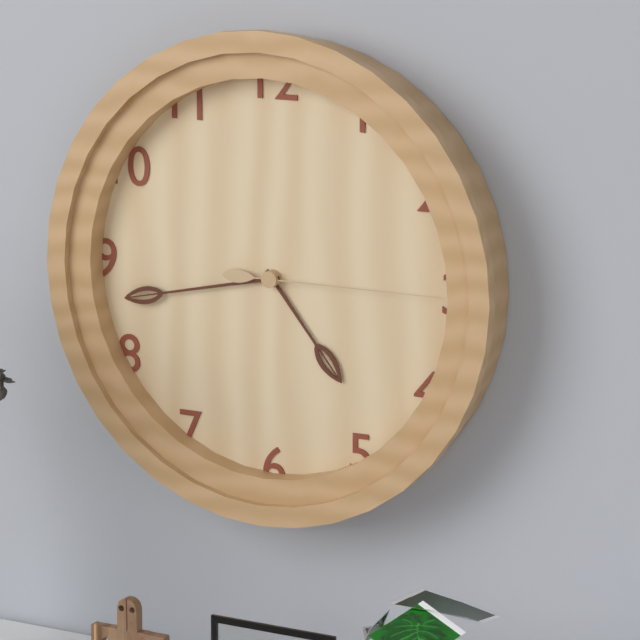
4:43:15
